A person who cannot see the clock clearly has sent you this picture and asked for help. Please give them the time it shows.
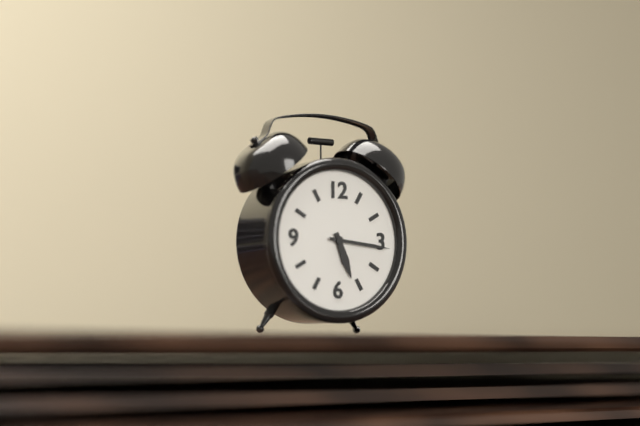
5:16
